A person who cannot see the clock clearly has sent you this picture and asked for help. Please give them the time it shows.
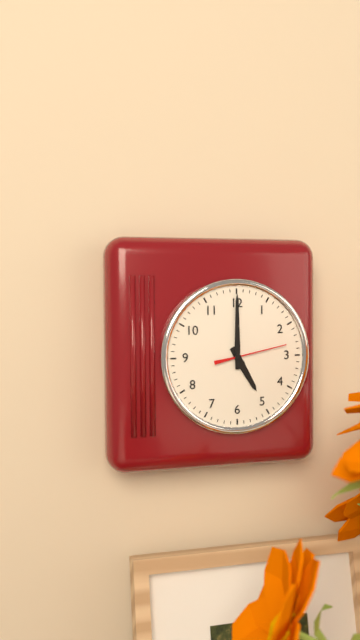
5:00:13
